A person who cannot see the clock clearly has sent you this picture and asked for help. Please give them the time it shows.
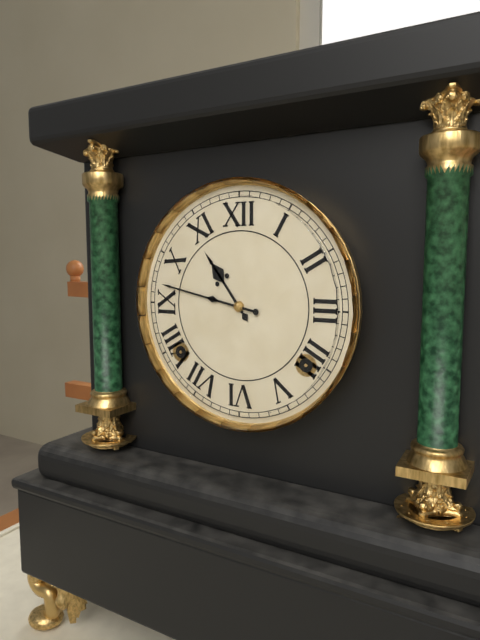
10:47
